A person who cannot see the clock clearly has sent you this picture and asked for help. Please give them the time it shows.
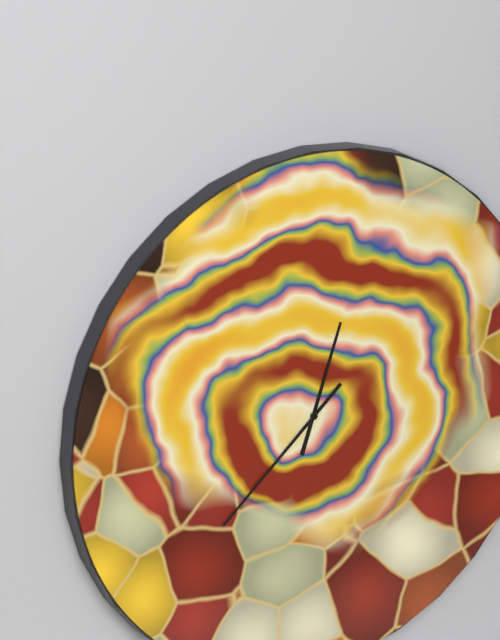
12:38
